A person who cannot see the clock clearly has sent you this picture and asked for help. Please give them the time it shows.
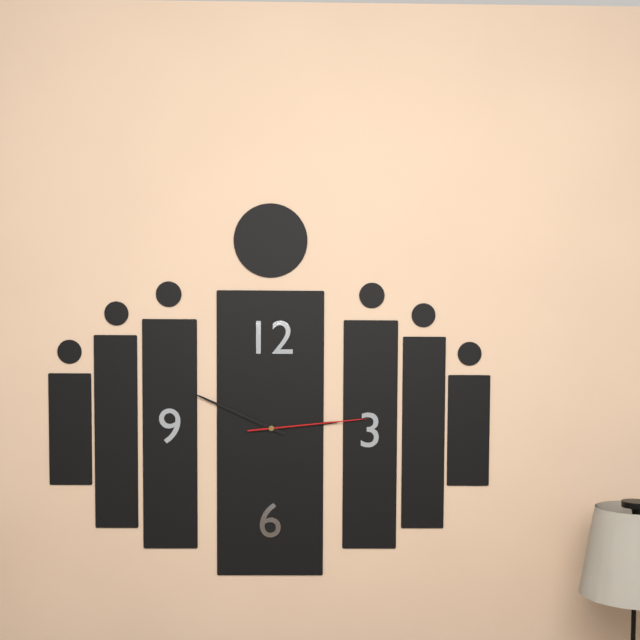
2:49:14
